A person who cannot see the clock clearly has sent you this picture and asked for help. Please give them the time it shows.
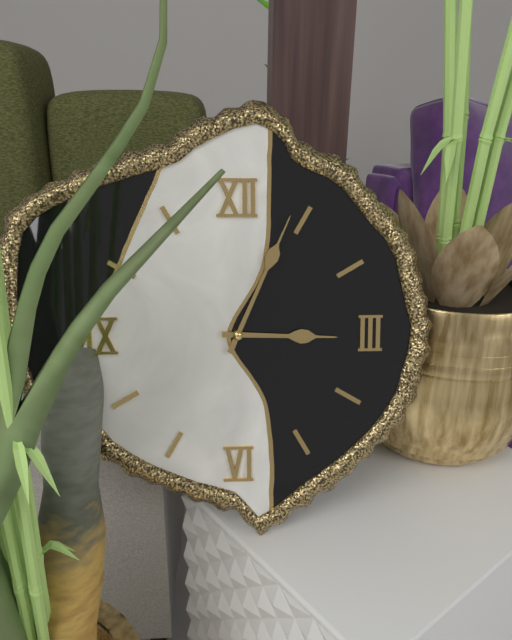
3:04
